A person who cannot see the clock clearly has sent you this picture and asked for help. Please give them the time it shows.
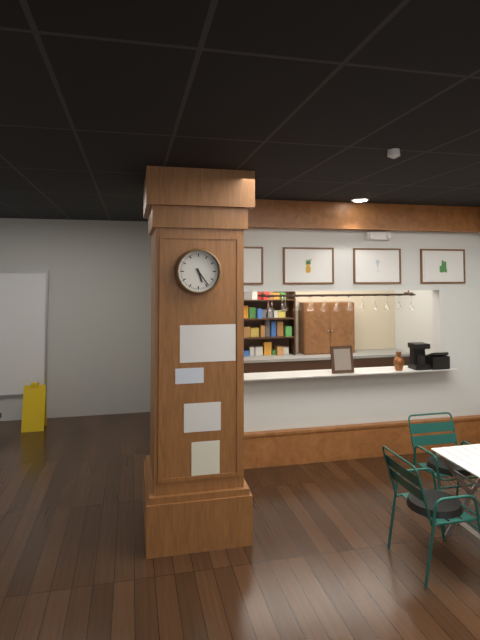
5:24
